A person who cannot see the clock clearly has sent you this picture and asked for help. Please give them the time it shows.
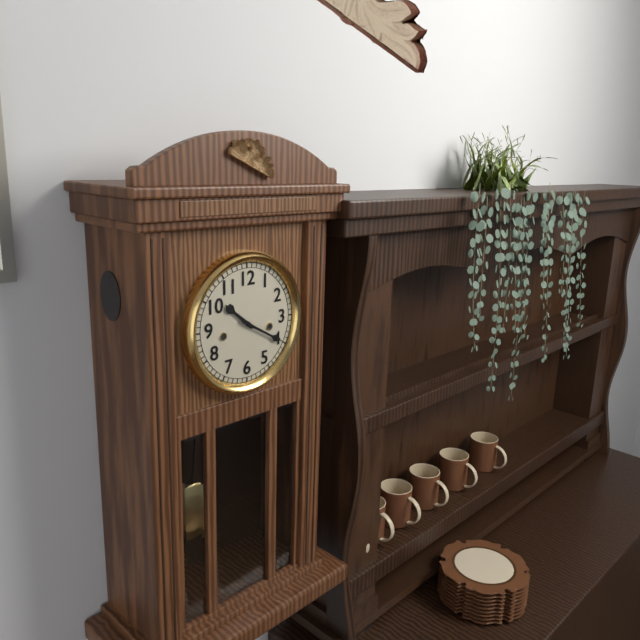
10:20
